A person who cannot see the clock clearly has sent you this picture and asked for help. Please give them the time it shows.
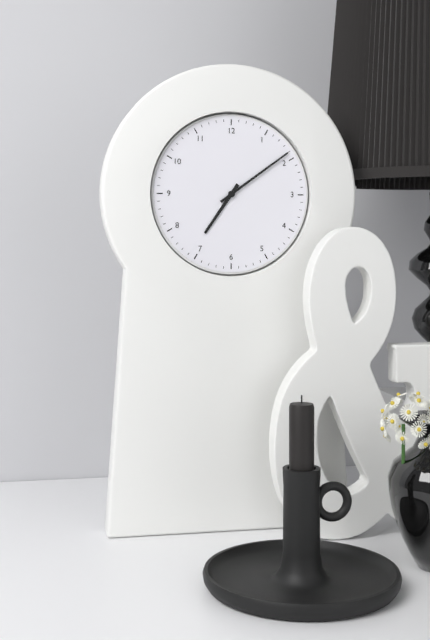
7:09
